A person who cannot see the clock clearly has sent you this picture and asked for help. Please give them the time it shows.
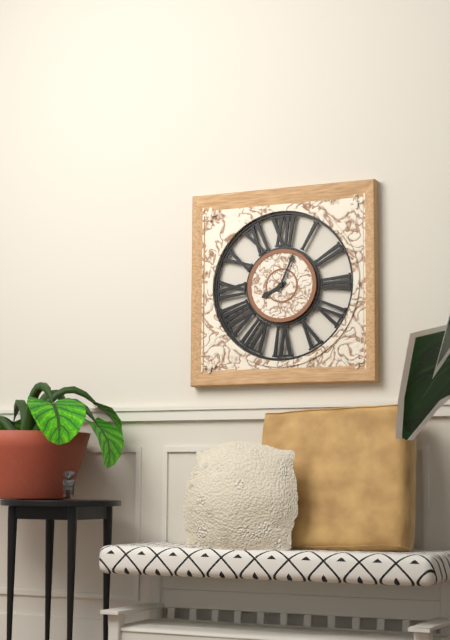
8:04
